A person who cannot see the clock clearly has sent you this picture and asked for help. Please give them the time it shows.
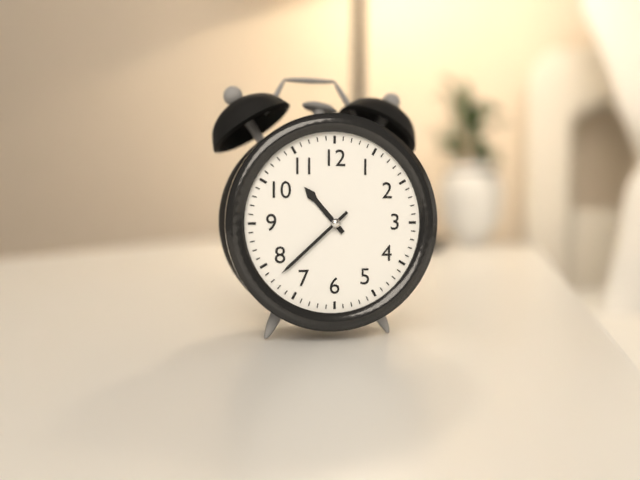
10:38
